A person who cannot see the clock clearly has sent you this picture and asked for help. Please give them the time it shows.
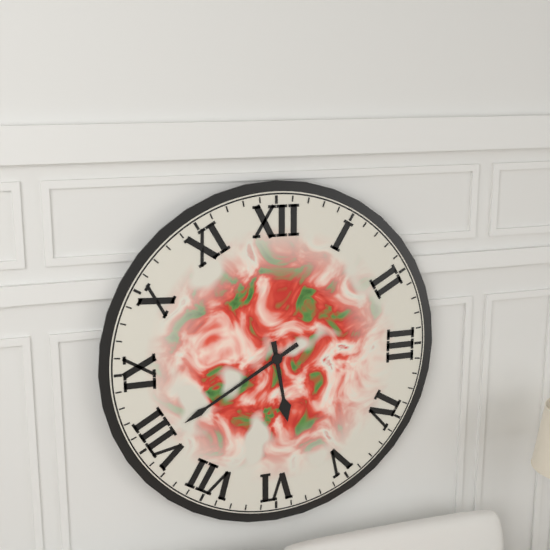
5:40
